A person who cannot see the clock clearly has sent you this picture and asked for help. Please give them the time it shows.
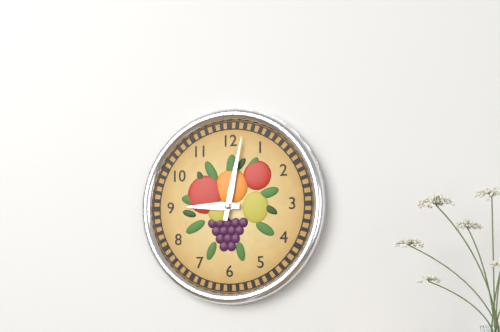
9:02
